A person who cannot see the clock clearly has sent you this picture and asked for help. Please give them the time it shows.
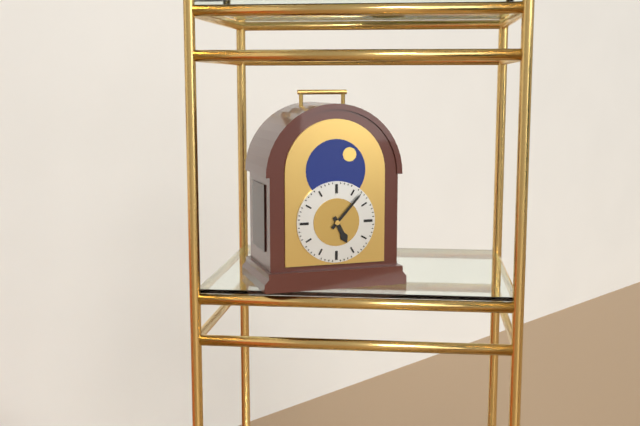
5:07
